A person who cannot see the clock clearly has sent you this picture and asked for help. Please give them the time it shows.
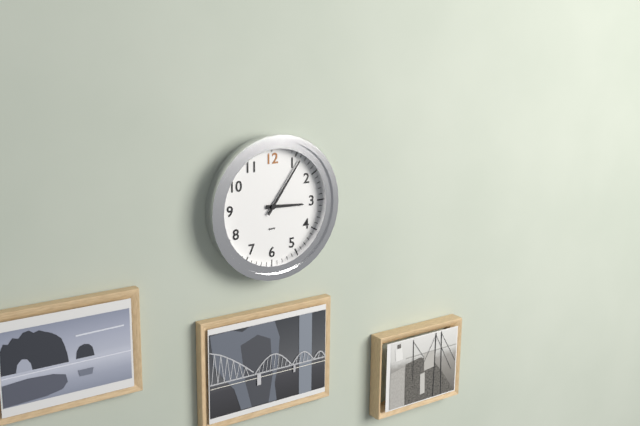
3:06
